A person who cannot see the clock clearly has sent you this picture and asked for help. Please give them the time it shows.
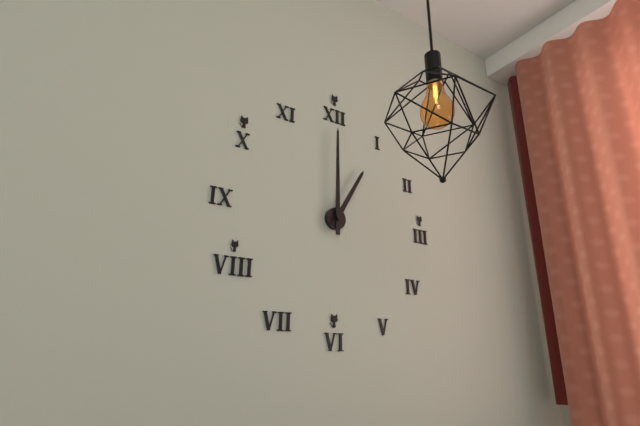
1:00
